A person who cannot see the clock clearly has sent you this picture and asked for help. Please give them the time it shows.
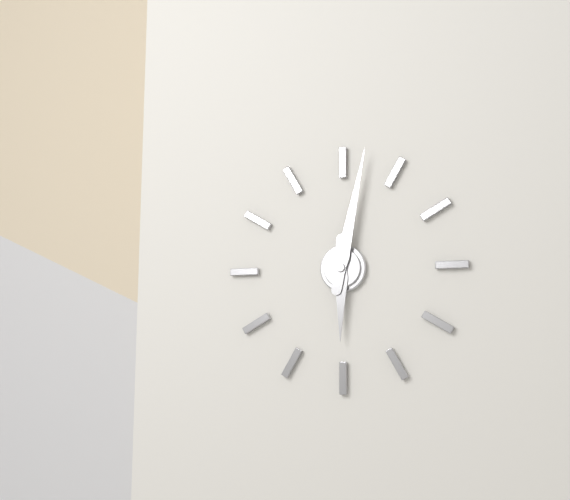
6:02
